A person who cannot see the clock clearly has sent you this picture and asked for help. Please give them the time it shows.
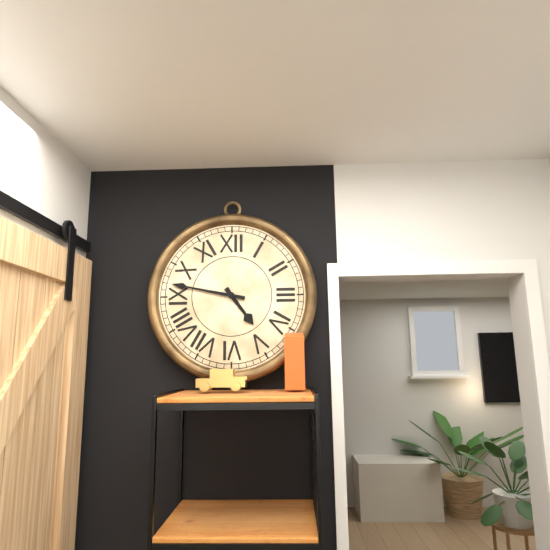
4:47
